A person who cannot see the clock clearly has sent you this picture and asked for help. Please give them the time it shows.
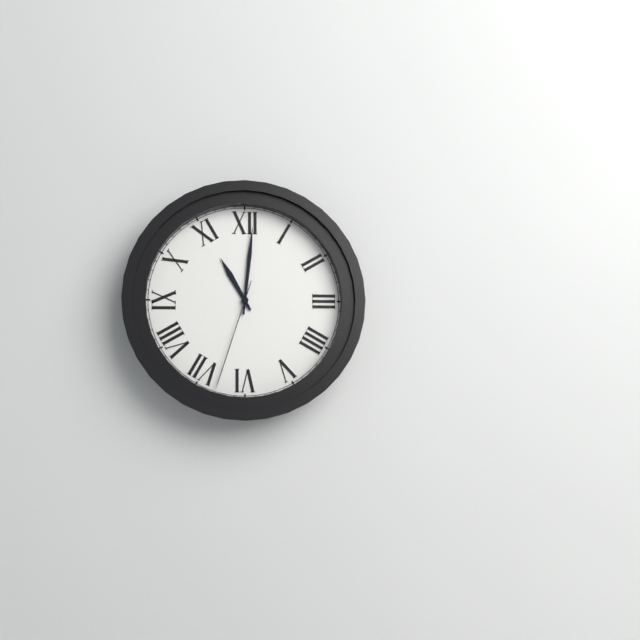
11:01:33
